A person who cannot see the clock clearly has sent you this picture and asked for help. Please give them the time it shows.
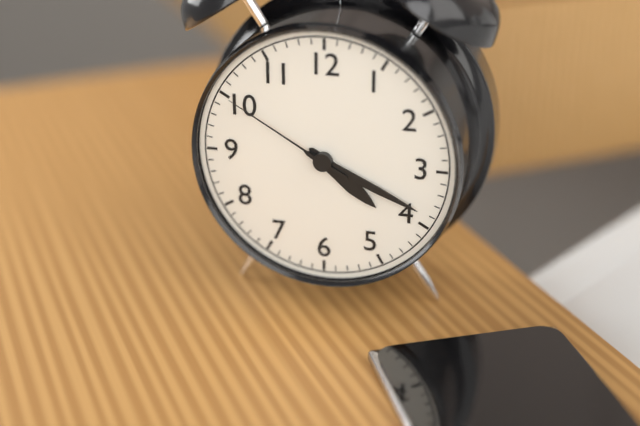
4:19:50
